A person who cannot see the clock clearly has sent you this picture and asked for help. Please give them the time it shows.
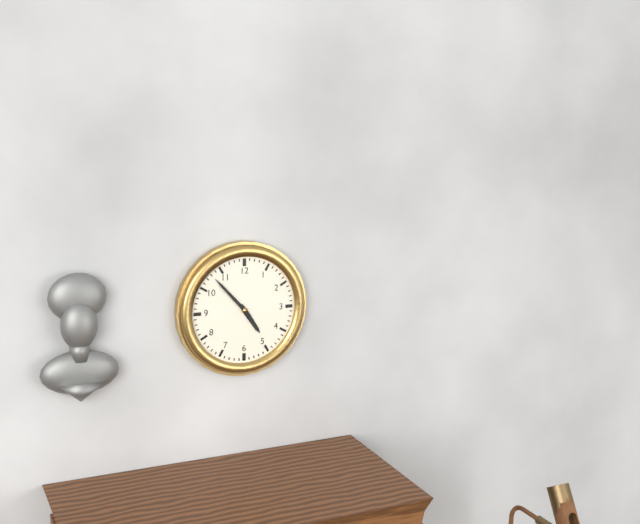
4:53
